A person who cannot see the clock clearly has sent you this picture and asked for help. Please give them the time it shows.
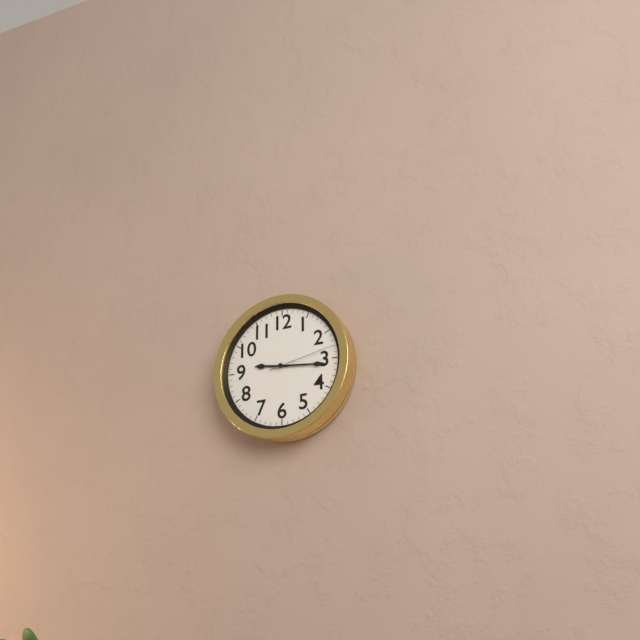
9:16:13
